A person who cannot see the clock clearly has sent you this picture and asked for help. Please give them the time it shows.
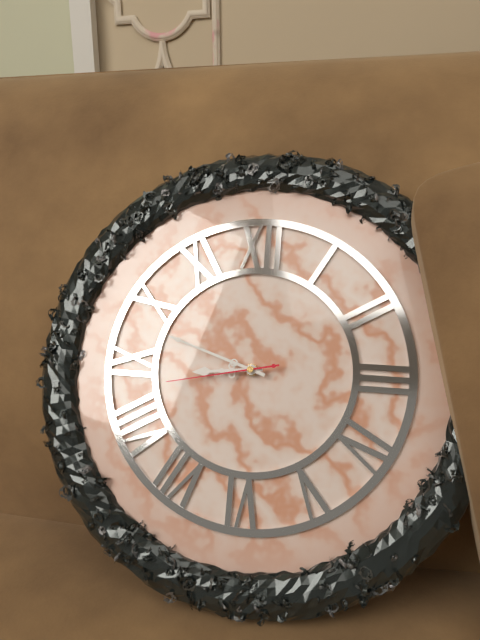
8:48:43
